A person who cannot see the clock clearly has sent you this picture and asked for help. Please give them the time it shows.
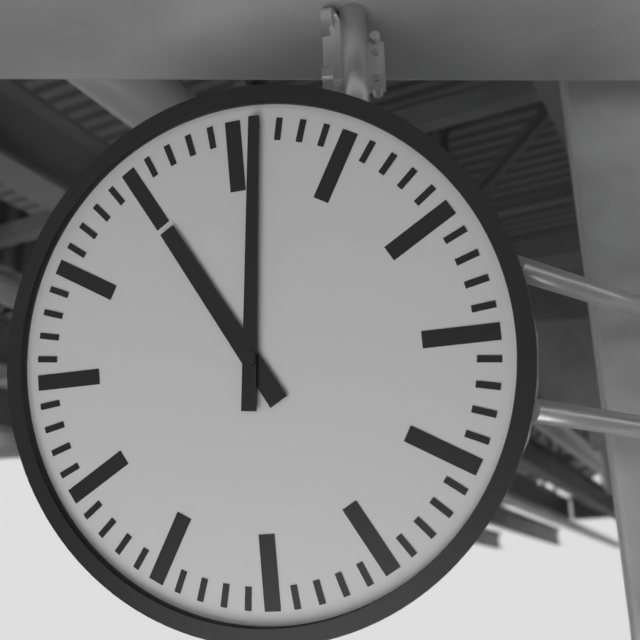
11:01
